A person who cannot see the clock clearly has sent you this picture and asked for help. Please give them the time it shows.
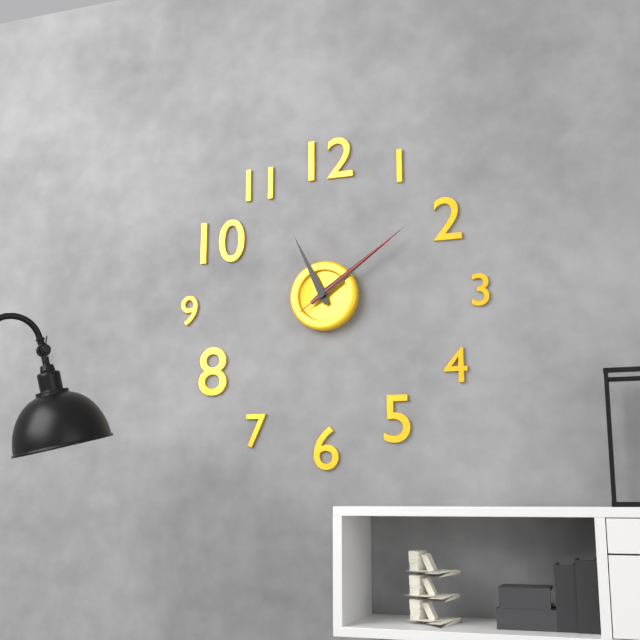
11:09:09
